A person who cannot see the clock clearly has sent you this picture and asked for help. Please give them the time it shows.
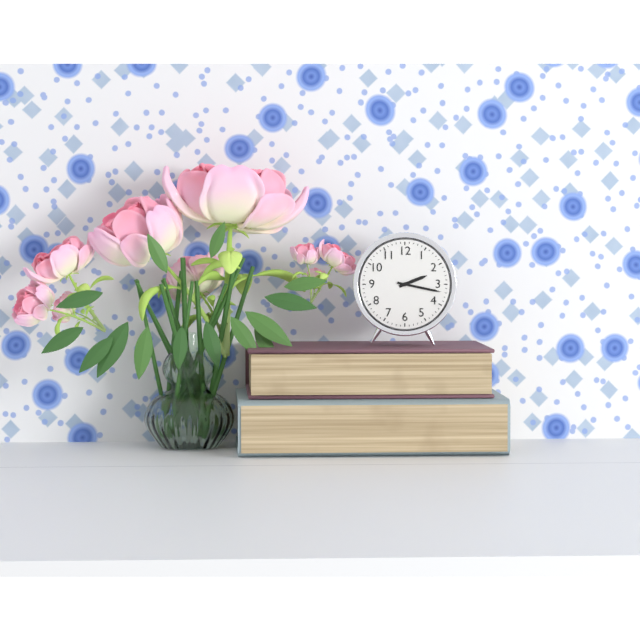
2:17
